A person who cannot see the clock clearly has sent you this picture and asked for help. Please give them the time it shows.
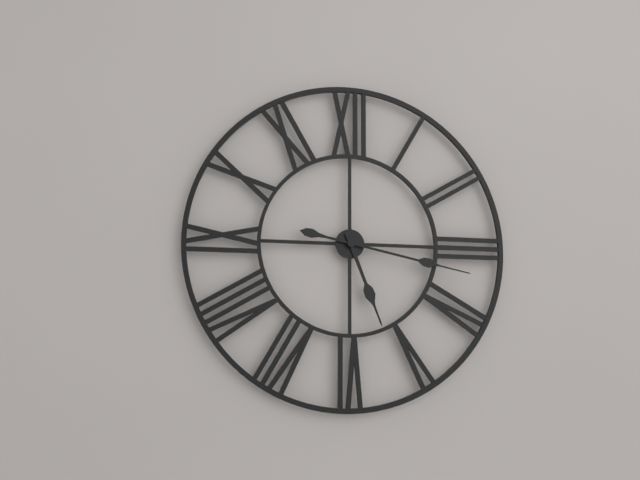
5:17
